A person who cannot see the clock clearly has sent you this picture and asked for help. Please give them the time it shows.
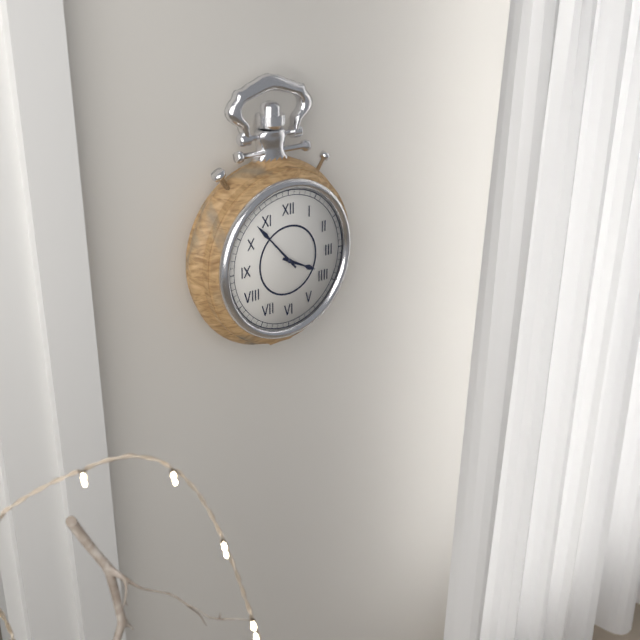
3:53
